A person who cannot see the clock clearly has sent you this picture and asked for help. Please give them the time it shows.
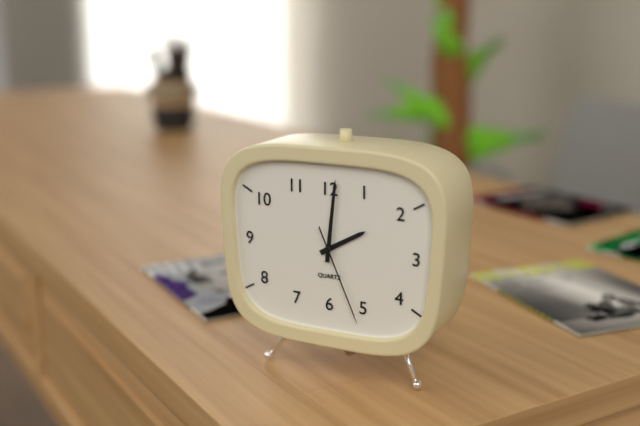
2:01:26
